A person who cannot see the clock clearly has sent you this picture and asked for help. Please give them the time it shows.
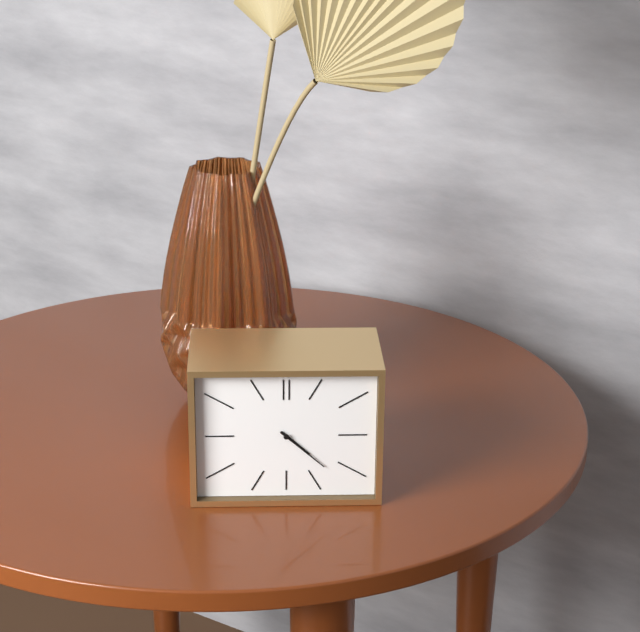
4:22
